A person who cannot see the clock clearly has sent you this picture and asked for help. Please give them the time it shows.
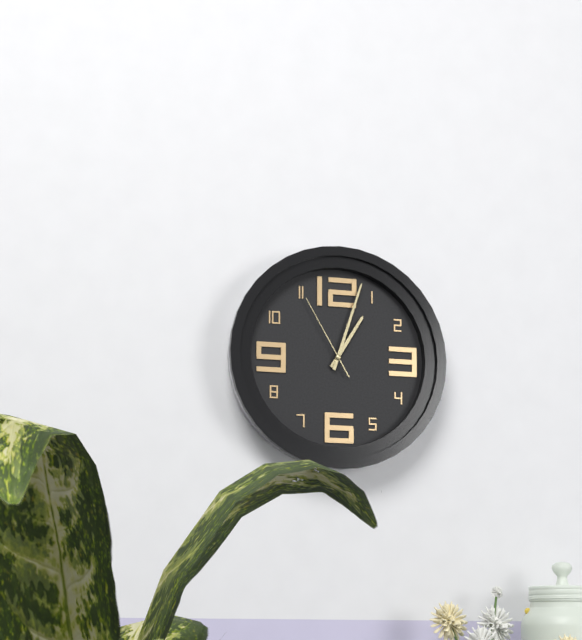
1:03:55
